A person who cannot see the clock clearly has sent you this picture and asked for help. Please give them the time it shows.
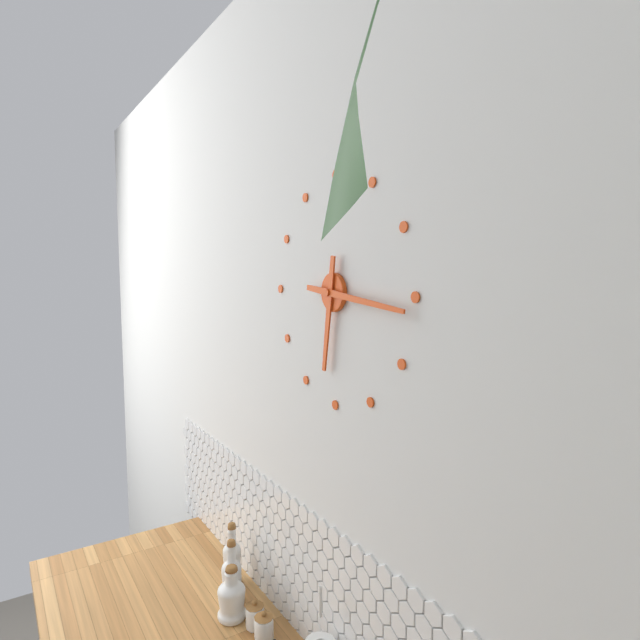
6:16
